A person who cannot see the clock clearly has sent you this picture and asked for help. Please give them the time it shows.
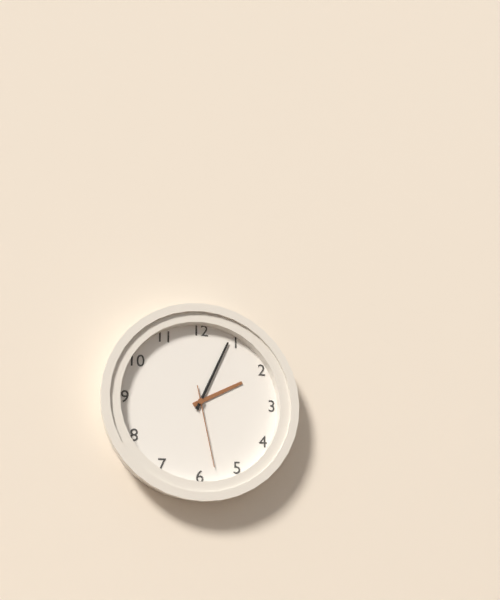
2:04:28
